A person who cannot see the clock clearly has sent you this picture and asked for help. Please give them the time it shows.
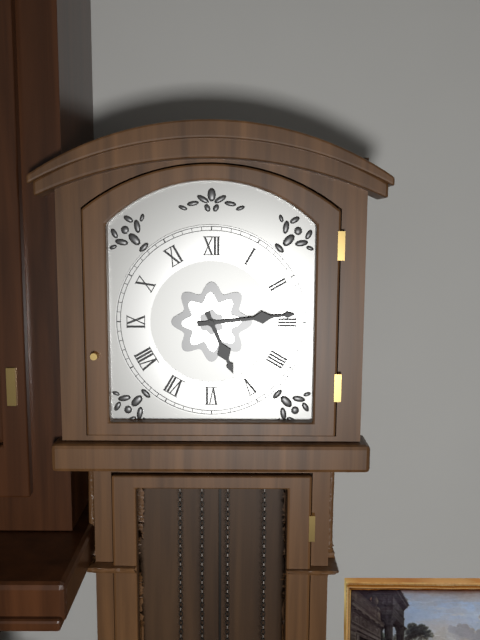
5:14
